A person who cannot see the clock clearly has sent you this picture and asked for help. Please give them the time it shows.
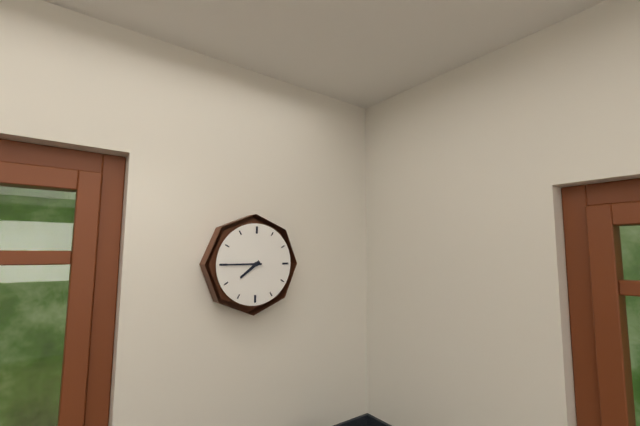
7:45
